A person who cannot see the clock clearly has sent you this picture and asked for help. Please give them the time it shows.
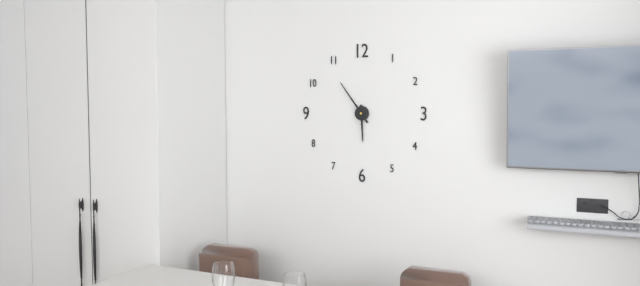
5:54
